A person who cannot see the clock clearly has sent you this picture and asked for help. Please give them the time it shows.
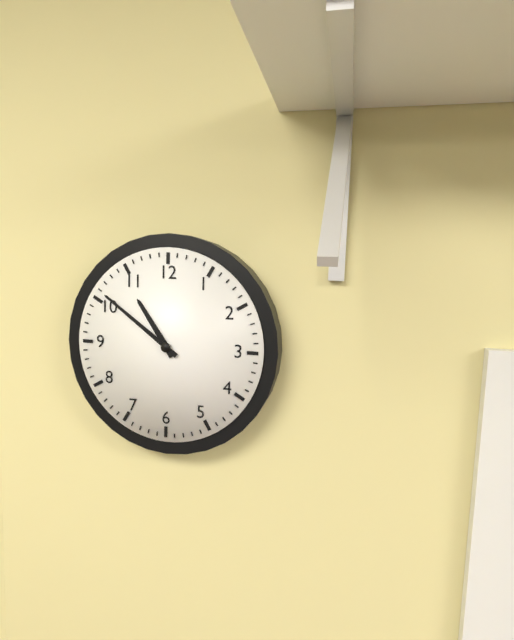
10:51
